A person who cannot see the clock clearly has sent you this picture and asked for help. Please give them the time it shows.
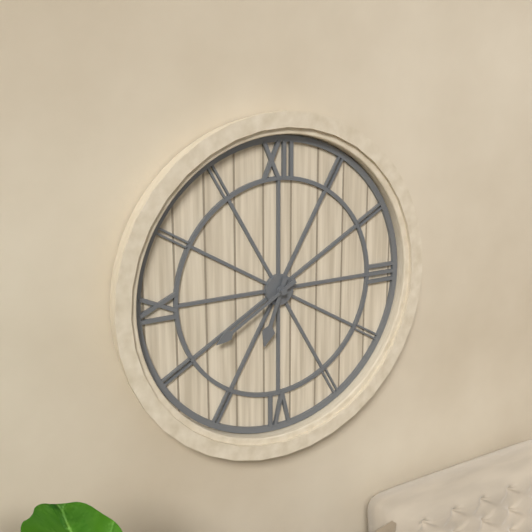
6:40
